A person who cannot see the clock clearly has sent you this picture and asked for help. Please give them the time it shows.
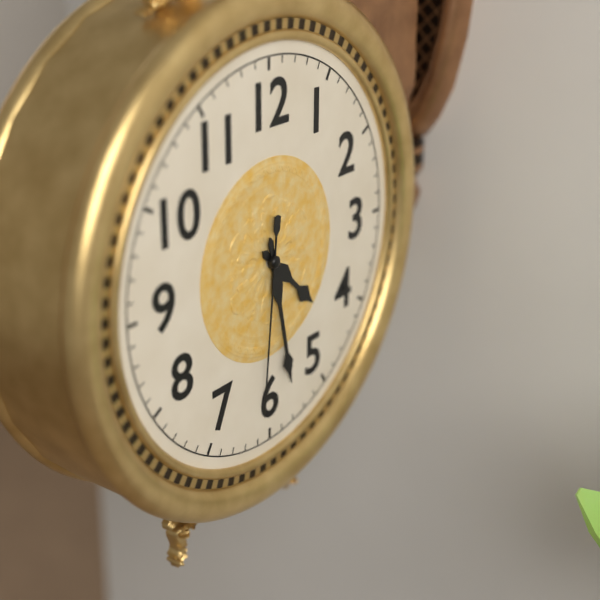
4:28:31
